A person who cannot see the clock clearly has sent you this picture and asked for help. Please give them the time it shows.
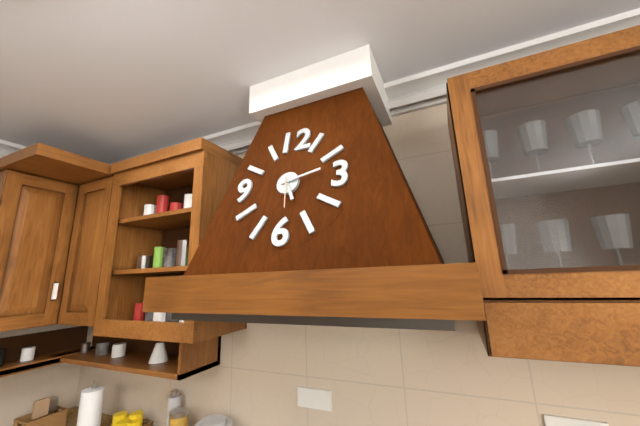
5:13
